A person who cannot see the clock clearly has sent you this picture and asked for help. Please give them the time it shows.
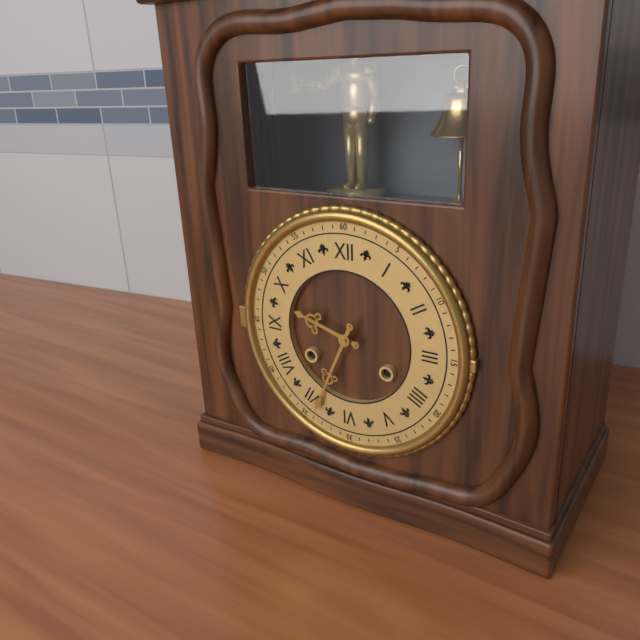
9:34
